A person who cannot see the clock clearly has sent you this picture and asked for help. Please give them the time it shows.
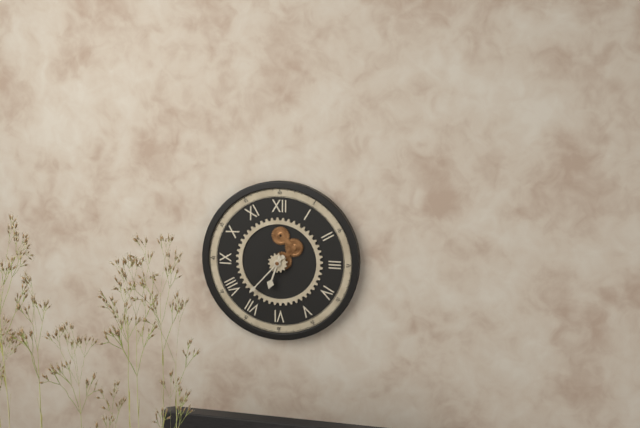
6:37
